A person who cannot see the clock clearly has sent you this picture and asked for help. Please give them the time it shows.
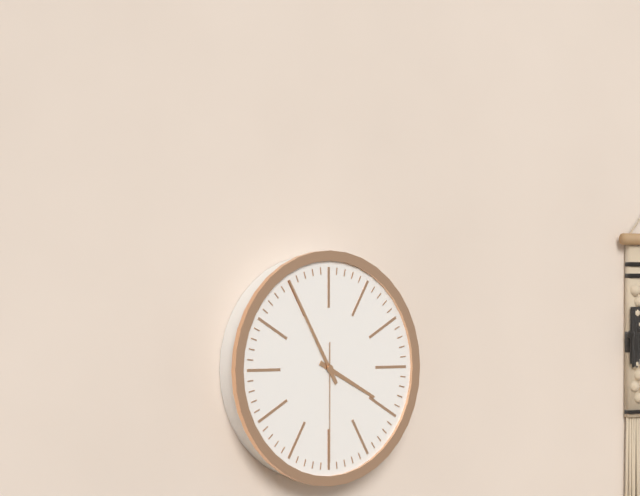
3:55:30
